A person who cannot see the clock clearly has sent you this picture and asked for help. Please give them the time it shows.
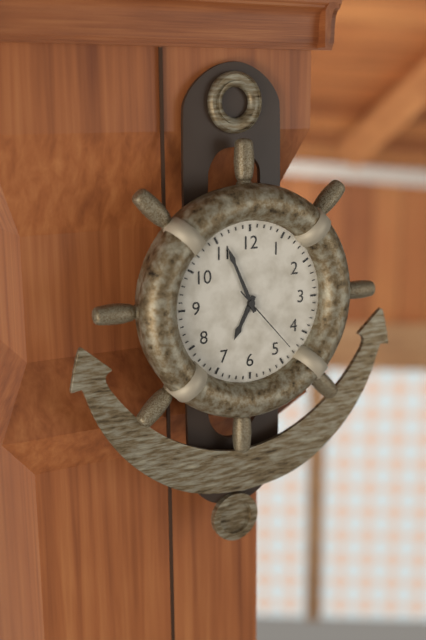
6:56:23
